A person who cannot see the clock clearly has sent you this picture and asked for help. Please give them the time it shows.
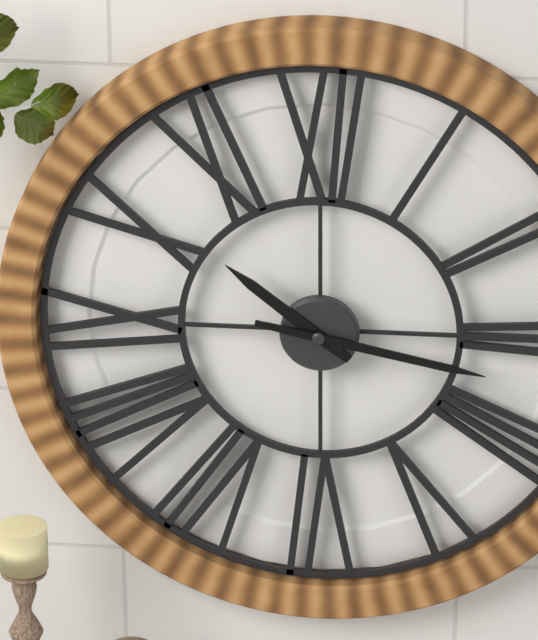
10:17
